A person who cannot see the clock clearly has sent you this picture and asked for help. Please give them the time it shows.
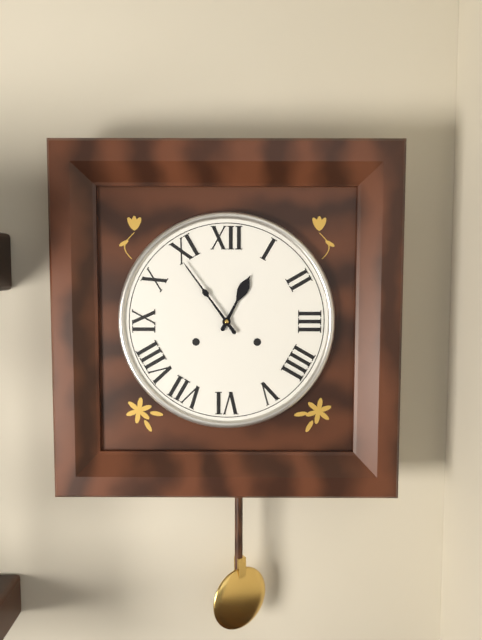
12:54
